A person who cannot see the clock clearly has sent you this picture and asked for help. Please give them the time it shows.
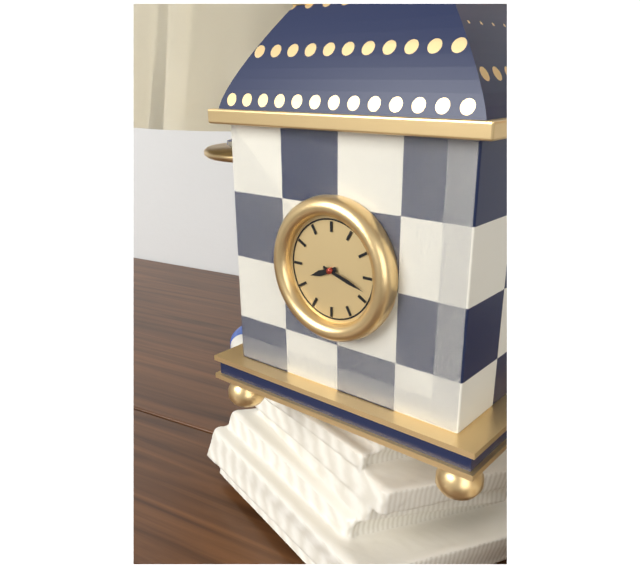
8:18
